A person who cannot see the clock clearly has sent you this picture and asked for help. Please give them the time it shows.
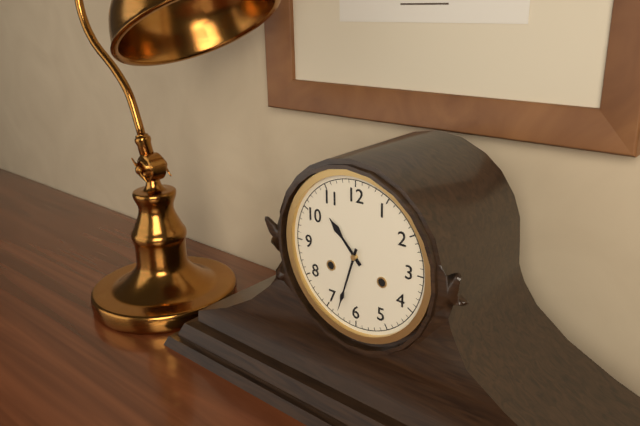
10:33
